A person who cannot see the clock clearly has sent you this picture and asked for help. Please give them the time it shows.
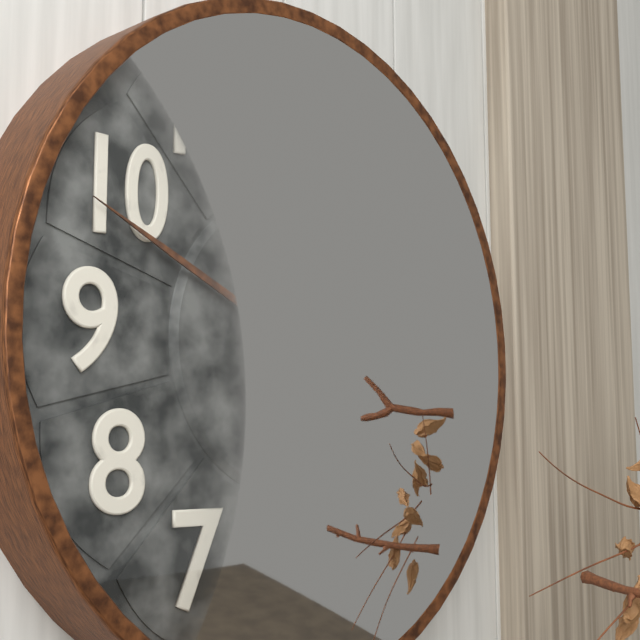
11:49
